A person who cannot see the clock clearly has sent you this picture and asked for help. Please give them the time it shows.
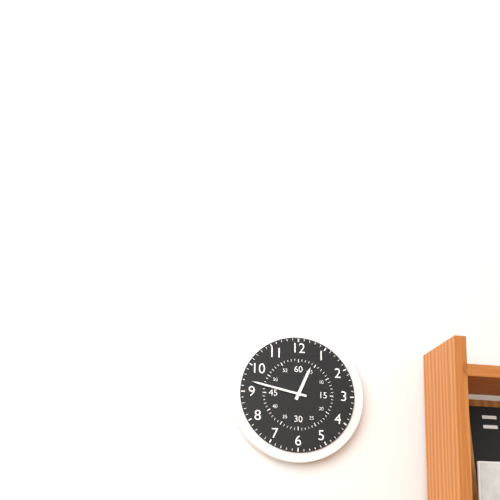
12:47
